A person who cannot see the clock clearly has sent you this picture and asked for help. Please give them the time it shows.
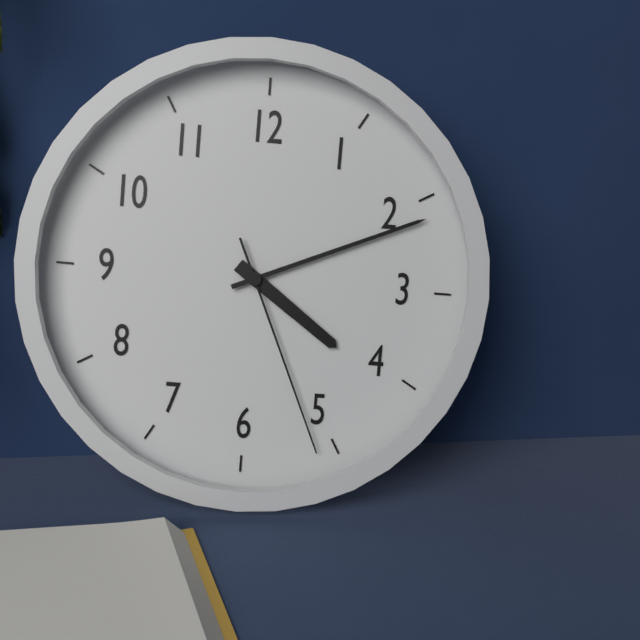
4:11:26
